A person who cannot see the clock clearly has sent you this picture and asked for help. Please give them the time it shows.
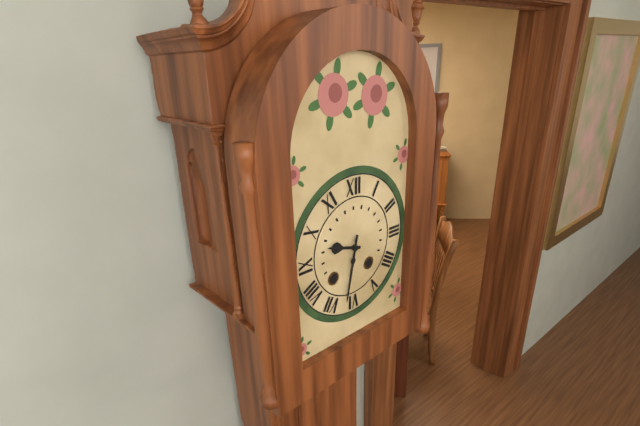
9:32
